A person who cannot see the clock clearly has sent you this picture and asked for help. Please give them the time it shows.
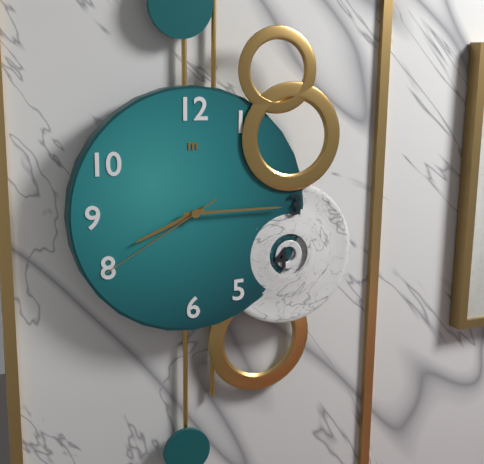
8:15:40
